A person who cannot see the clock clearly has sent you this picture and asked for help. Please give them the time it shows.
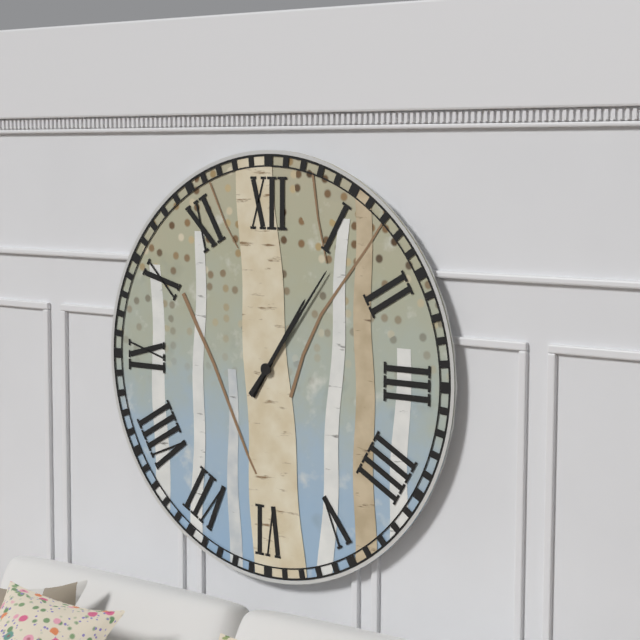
1:06
